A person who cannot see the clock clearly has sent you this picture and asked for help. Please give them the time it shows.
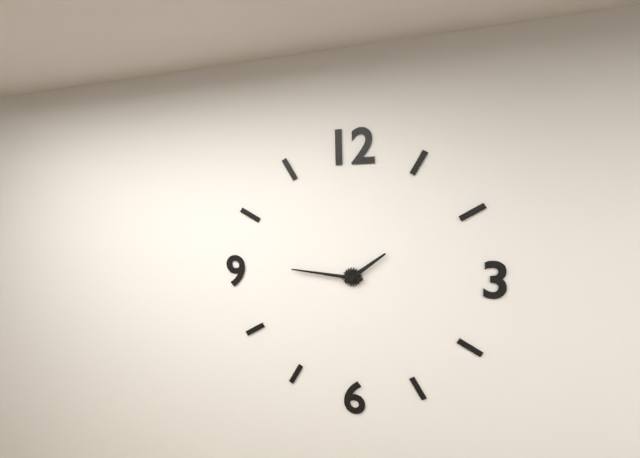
1:46
